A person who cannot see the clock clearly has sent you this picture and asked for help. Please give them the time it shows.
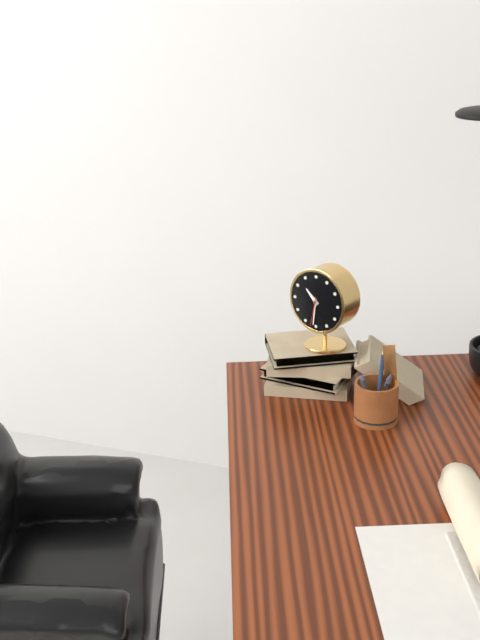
10:31
